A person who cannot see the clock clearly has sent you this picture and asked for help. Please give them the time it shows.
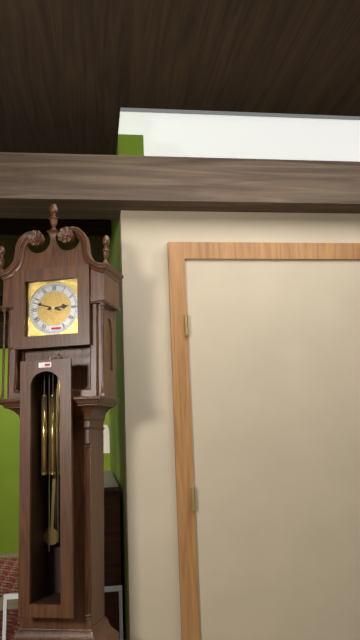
2:48
